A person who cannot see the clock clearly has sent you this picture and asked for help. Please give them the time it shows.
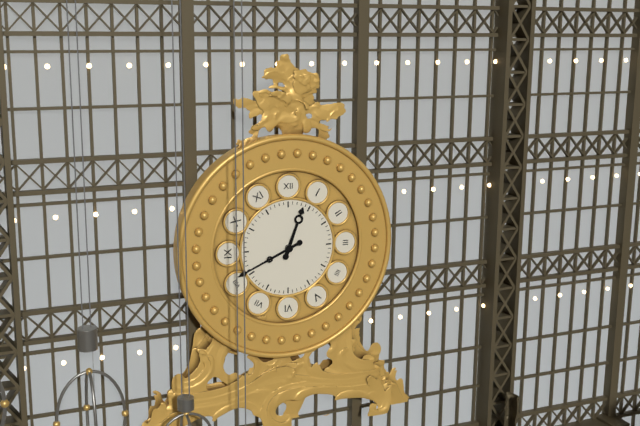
12:41
